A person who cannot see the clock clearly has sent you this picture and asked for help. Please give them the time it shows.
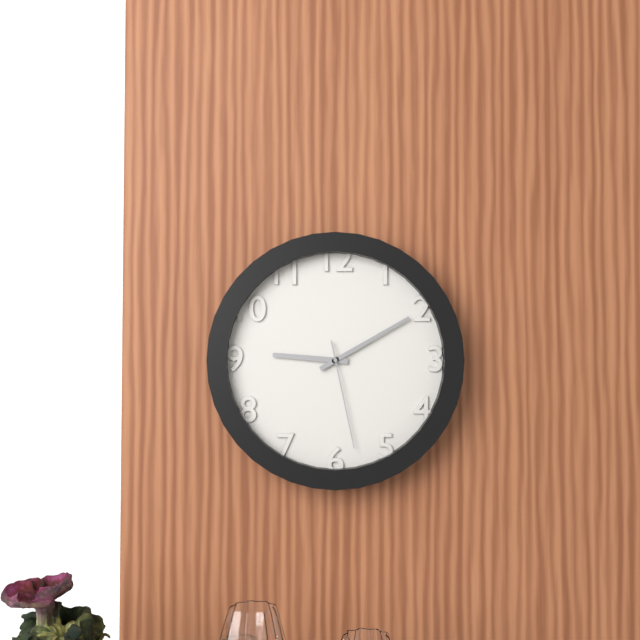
9:10:28
